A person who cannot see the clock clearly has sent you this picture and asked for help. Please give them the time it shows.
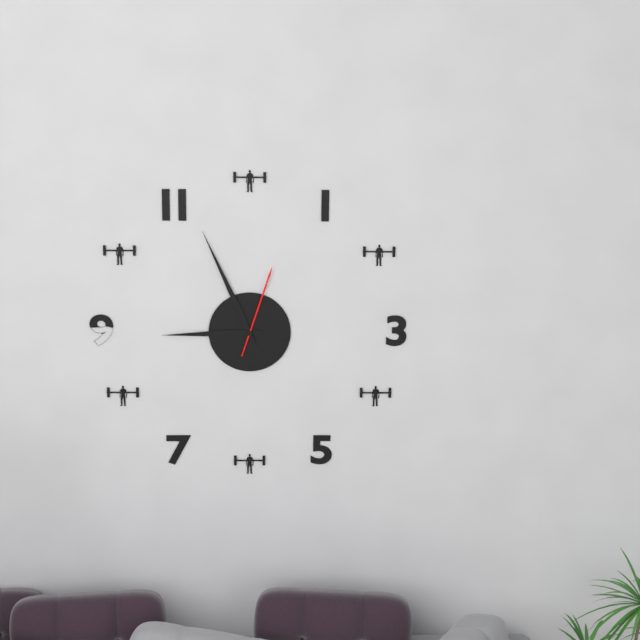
8:56:03
